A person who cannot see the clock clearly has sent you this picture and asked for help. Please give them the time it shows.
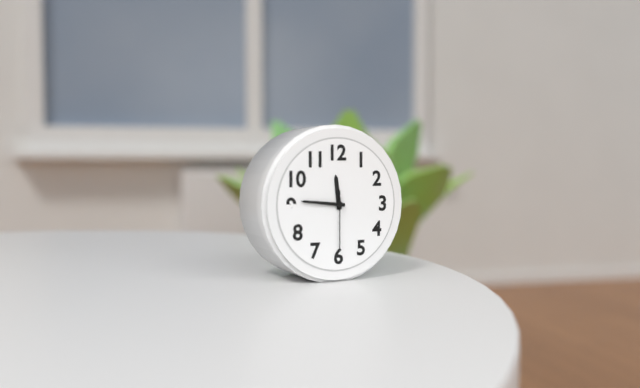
11:46:30
